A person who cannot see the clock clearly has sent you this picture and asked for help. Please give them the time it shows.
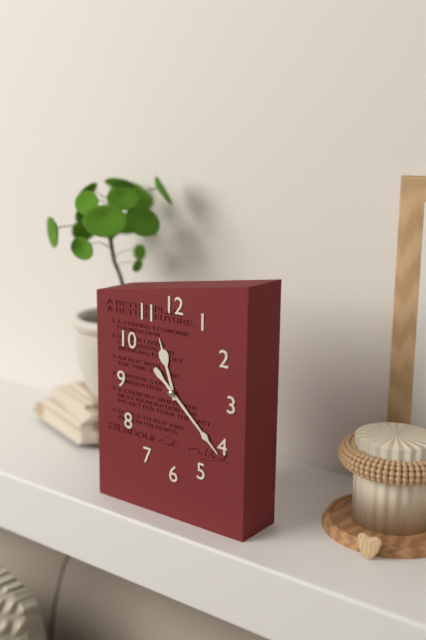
11:22
